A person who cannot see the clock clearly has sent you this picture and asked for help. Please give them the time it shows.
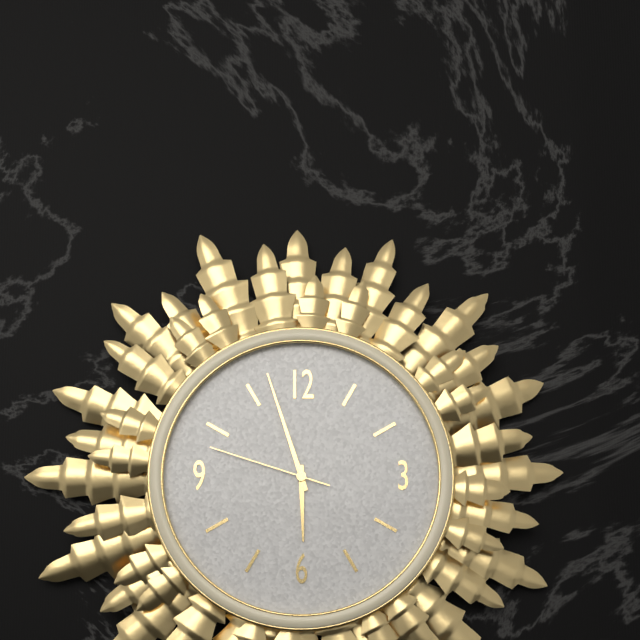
5:57:48
